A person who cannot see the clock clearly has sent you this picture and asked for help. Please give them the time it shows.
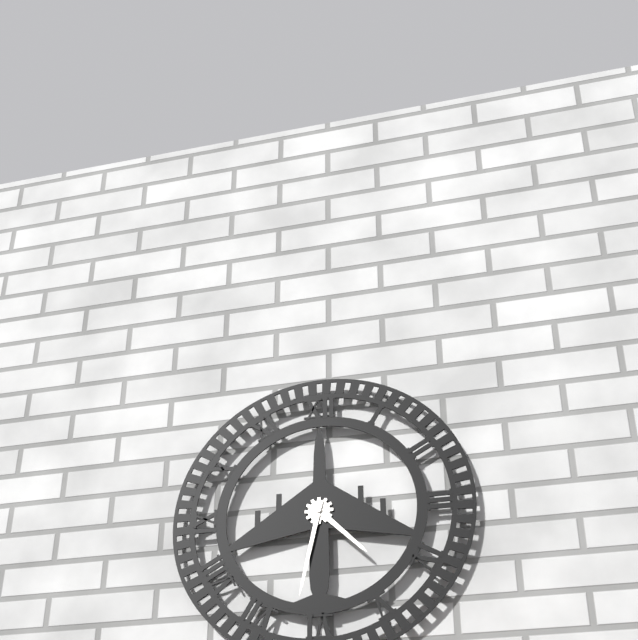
4:32
